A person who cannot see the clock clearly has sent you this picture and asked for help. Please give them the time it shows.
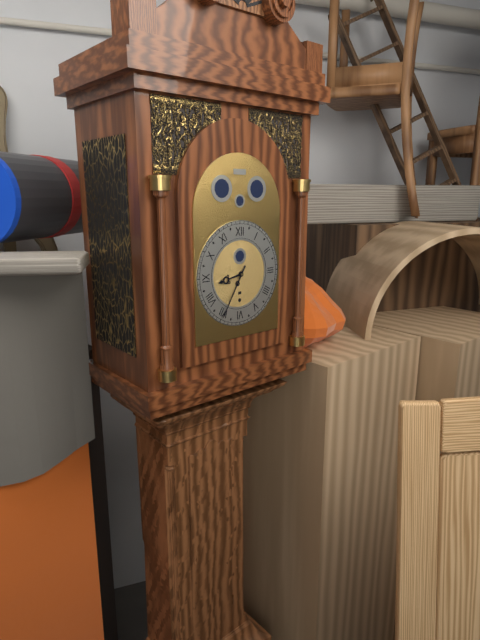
8:35
